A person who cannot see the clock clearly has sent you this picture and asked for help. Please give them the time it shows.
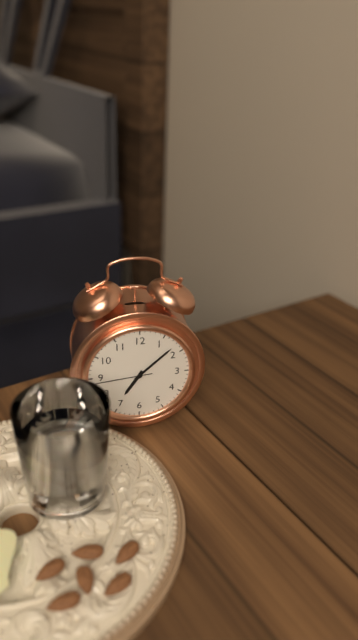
7:08:44
